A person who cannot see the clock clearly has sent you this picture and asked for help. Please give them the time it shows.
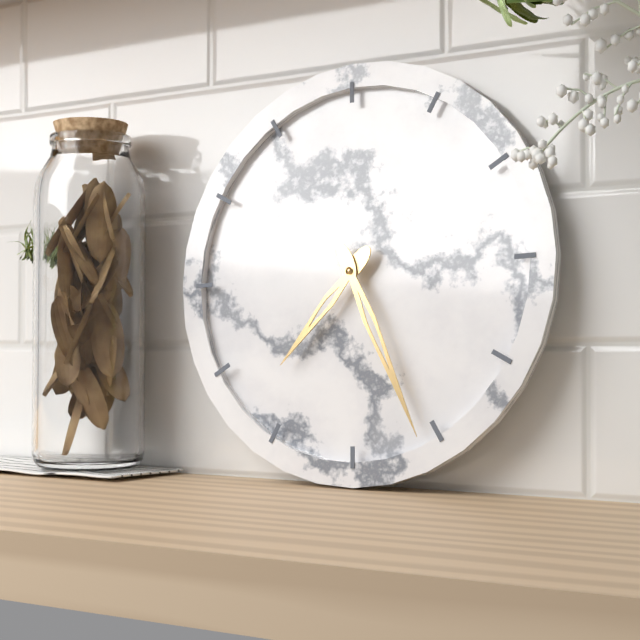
7:26
